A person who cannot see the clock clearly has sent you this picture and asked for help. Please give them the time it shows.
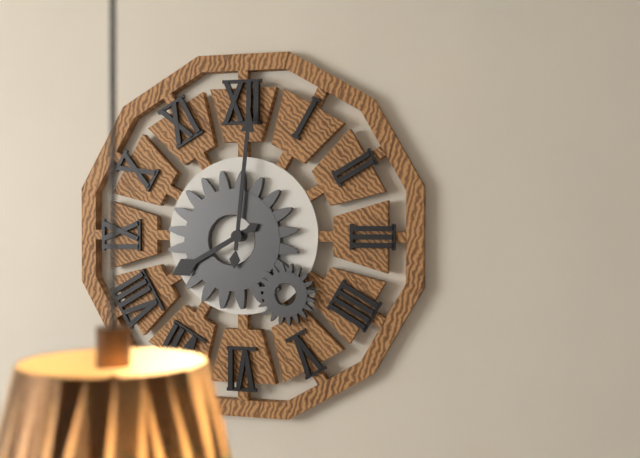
8:01
